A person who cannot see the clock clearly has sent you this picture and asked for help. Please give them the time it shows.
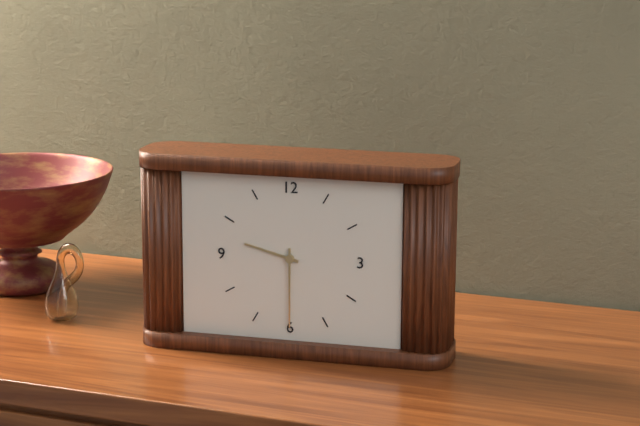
9:30
